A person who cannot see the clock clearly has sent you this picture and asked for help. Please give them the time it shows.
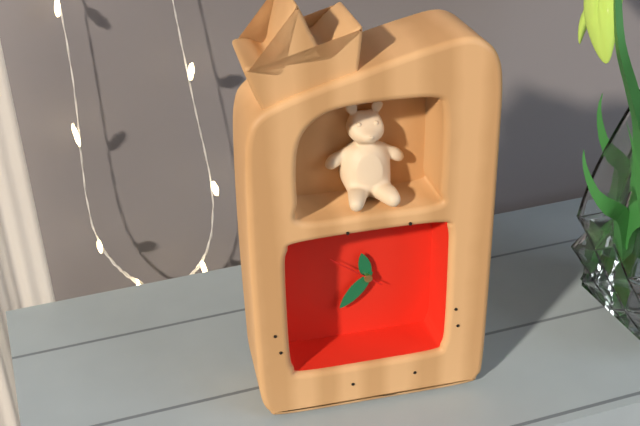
11:37
